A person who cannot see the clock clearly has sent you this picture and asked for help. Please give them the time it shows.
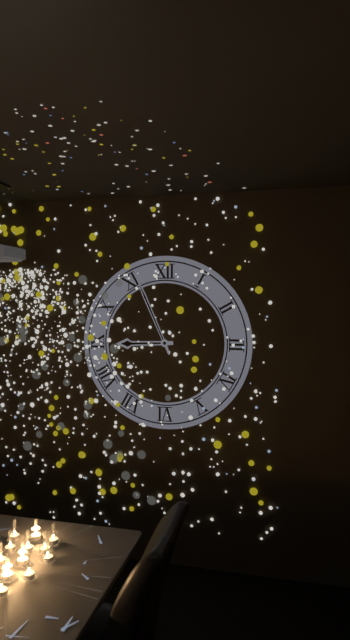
8:56
